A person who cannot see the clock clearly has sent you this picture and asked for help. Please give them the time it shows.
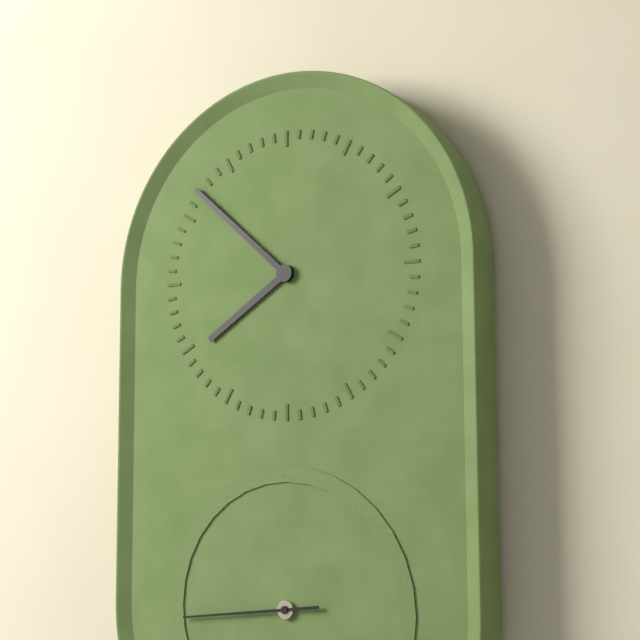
7:52:44
